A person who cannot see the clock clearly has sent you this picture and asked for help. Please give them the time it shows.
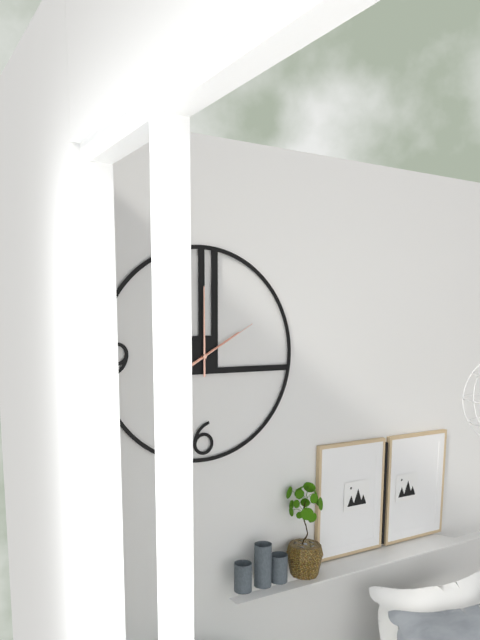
2:00:10
